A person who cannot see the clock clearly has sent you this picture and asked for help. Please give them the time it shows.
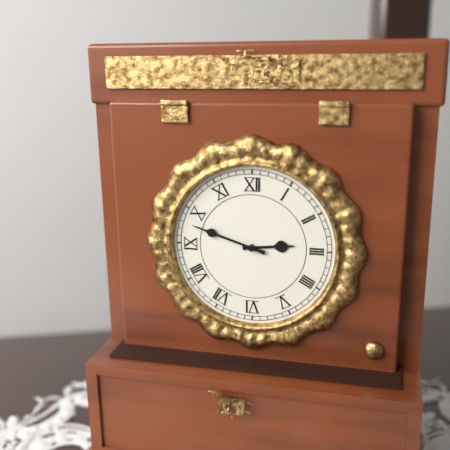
2:48
